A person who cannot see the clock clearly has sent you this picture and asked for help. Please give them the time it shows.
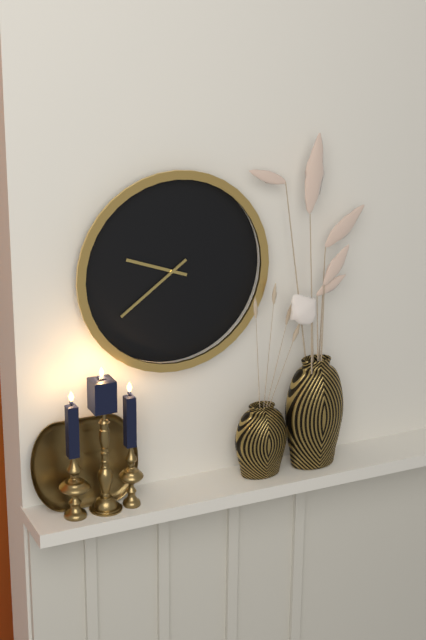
9:39
